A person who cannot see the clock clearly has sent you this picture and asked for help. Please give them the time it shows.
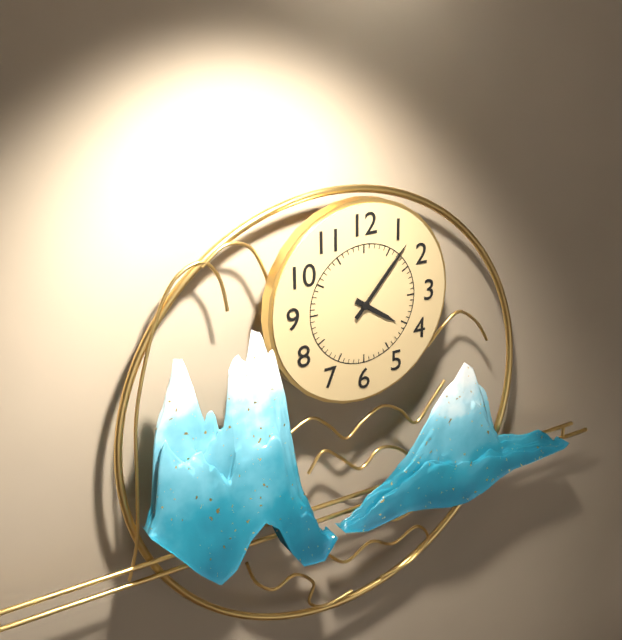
4:07
